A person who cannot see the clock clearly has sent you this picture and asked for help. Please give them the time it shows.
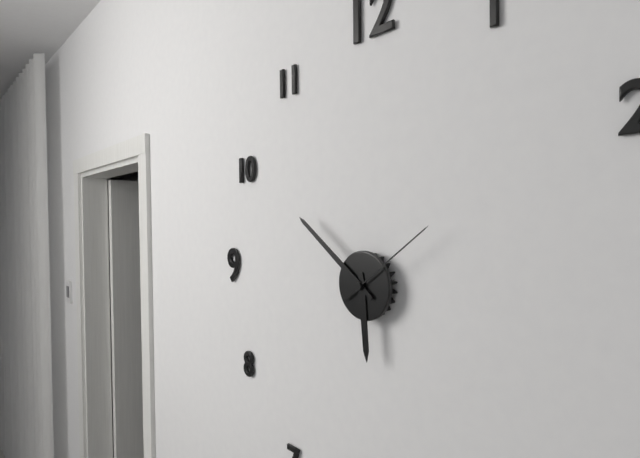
5:51:09
